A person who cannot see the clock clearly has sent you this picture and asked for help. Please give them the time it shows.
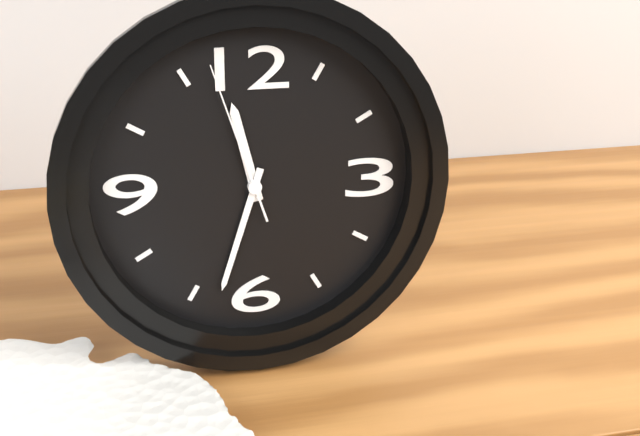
11:33:57
